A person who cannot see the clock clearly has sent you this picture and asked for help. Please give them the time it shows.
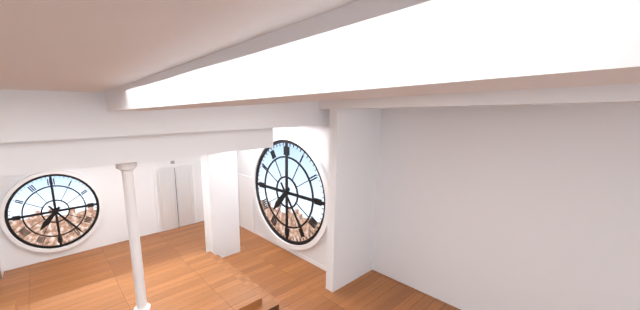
7:24
